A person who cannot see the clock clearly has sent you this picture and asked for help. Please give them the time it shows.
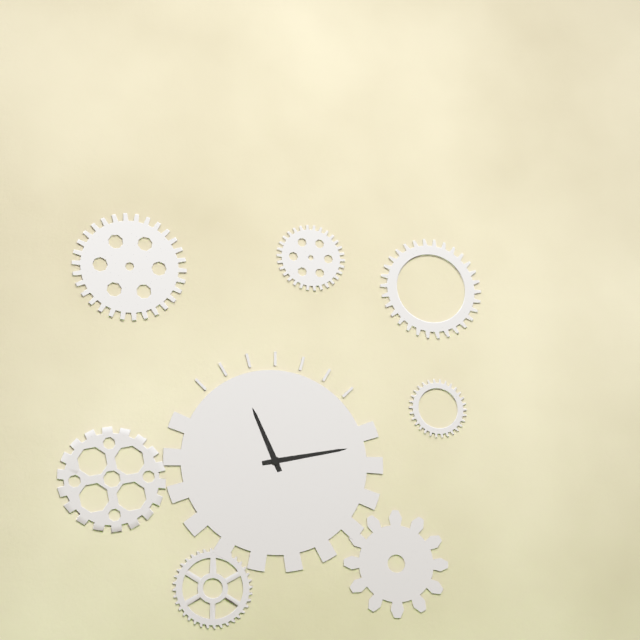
11:13
